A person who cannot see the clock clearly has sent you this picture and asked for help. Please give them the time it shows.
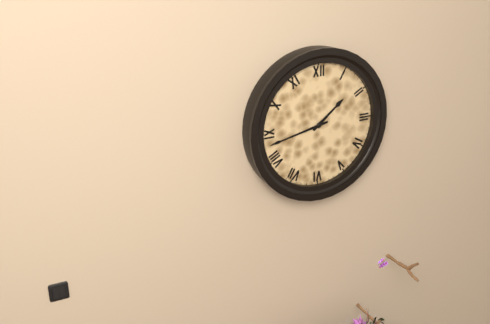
1:43
